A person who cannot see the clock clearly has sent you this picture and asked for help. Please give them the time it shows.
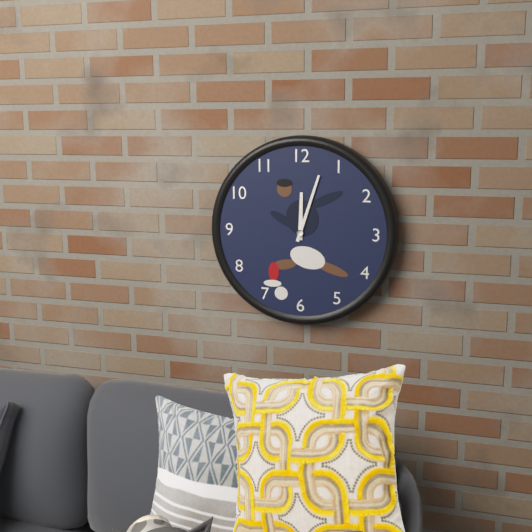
12:03
